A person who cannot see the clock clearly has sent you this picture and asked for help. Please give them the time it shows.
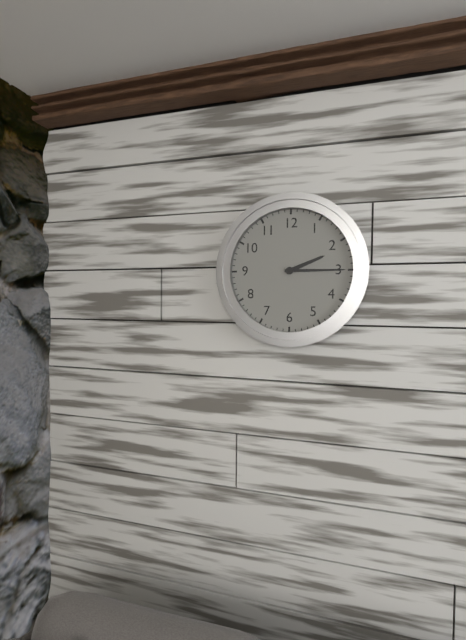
2:15
